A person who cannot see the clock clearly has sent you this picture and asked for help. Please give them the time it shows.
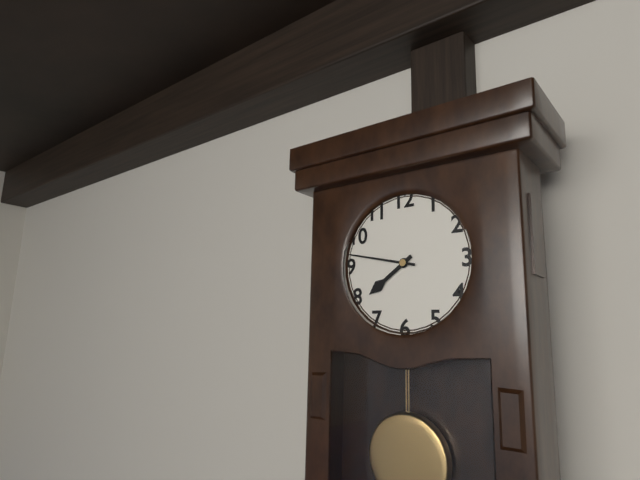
7:47
